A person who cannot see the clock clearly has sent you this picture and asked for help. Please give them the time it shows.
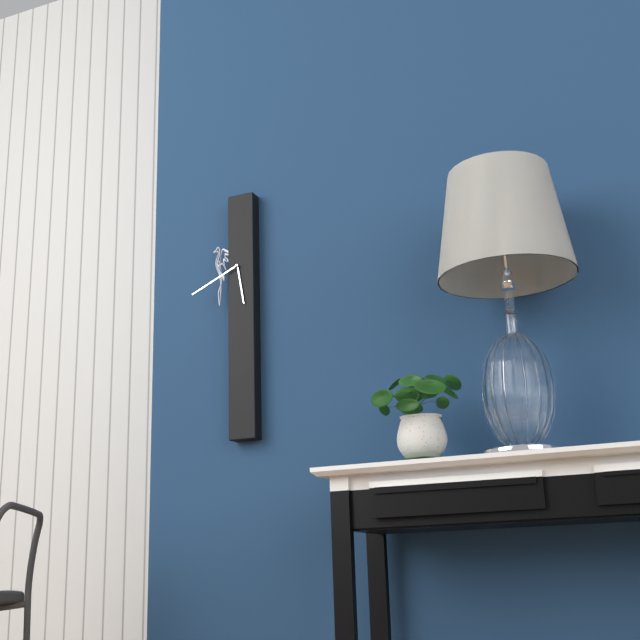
5:41
